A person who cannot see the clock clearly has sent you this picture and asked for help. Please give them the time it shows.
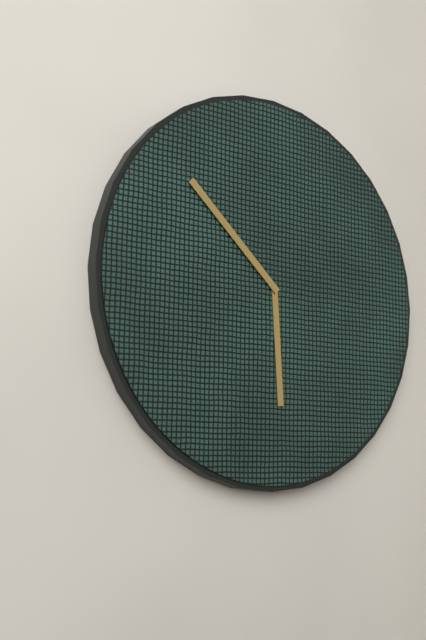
5:52
